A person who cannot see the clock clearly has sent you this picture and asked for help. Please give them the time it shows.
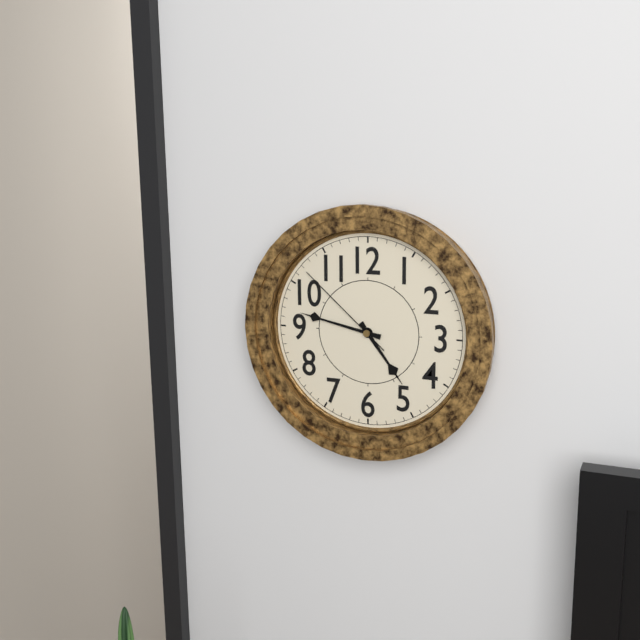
4:47:52
